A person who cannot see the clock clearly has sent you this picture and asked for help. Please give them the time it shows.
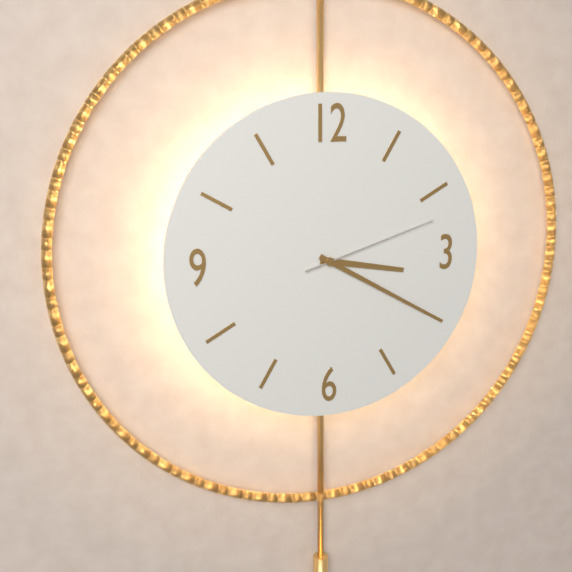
3:20:12
